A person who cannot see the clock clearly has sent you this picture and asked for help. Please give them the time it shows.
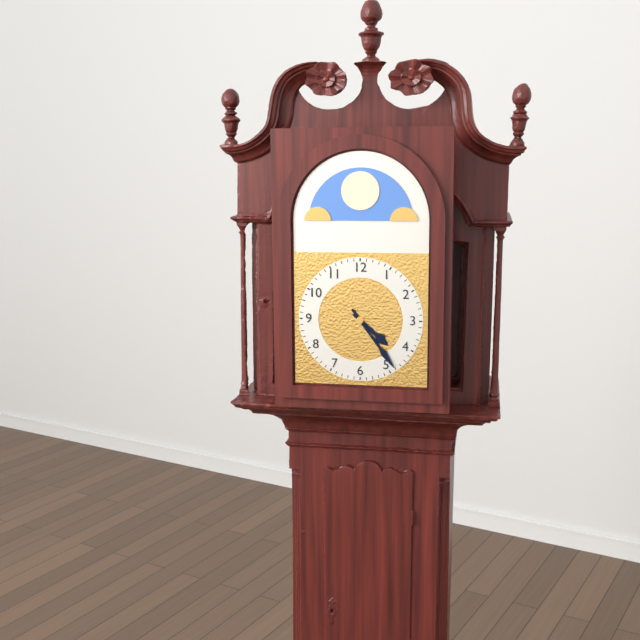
4:24
